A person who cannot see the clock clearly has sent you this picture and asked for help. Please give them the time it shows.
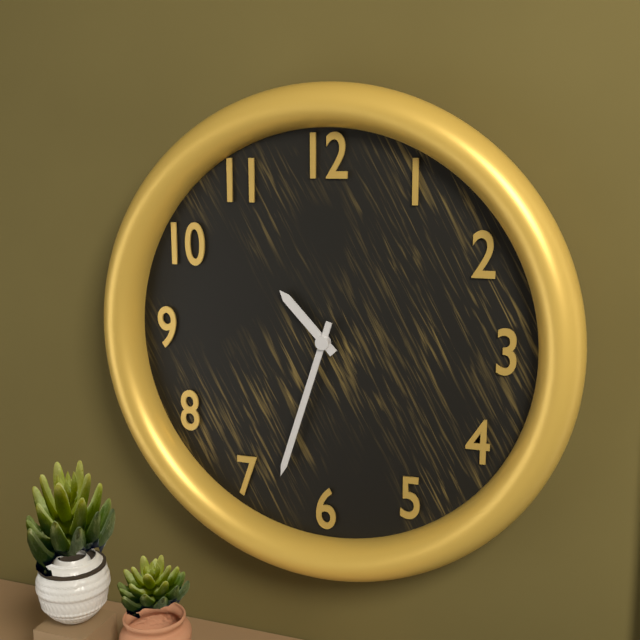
10:33
